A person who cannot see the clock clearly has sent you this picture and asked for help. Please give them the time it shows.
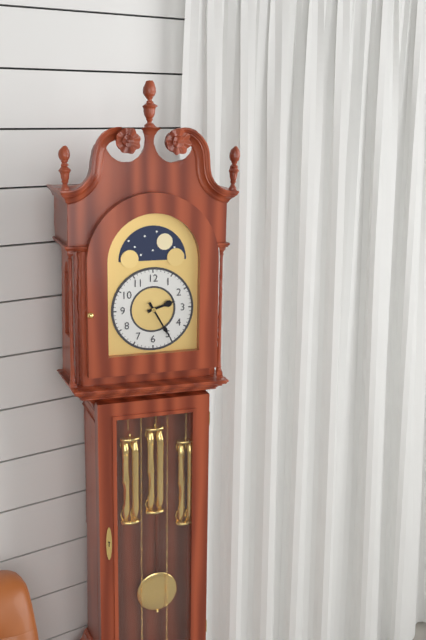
2:25
